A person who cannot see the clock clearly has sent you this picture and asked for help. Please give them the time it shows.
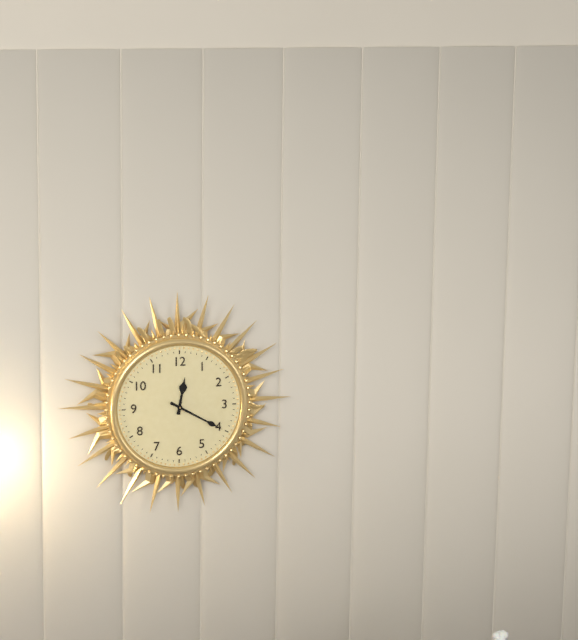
12:20
